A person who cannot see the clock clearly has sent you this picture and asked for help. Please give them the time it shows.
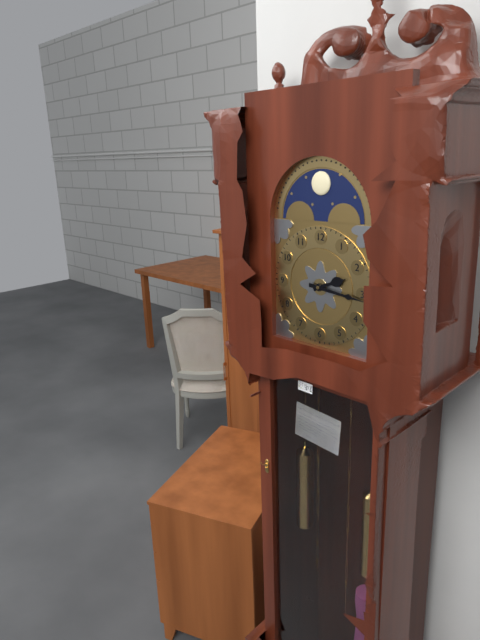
2:16
